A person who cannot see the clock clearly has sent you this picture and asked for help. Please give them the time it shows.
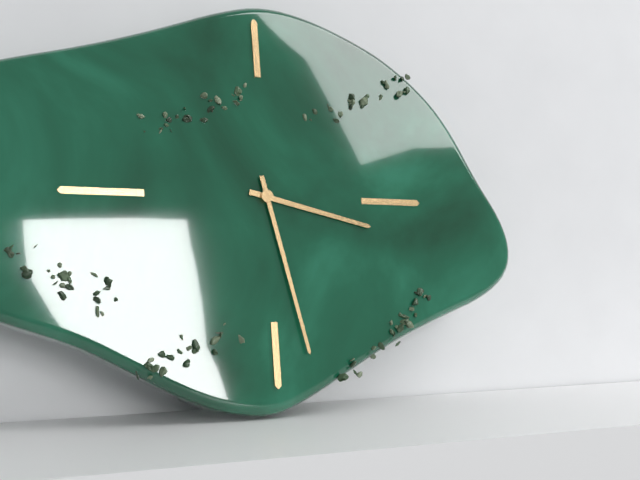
3:28
